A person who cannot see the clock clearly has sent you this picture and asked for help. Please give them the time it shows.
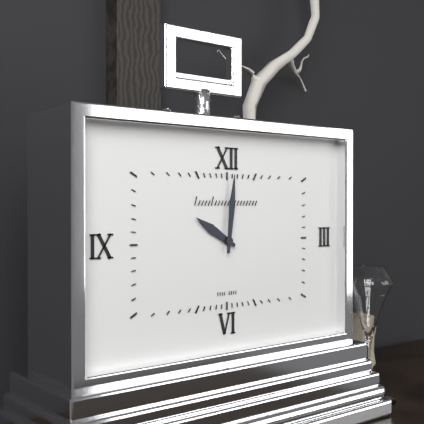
10:01
